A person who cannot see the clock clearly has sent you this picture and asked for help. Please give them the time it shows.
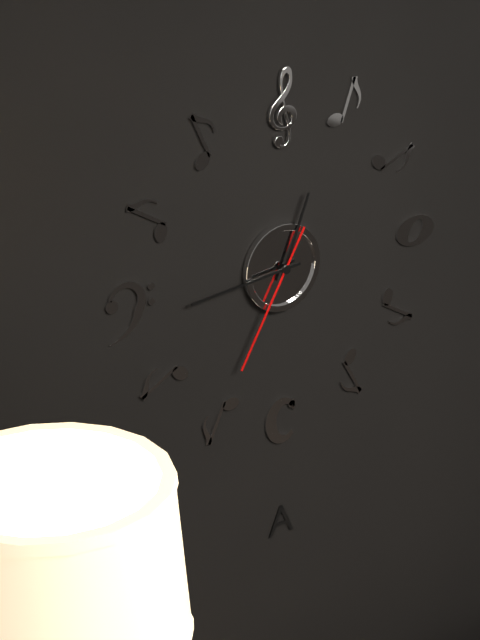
12:44:35
